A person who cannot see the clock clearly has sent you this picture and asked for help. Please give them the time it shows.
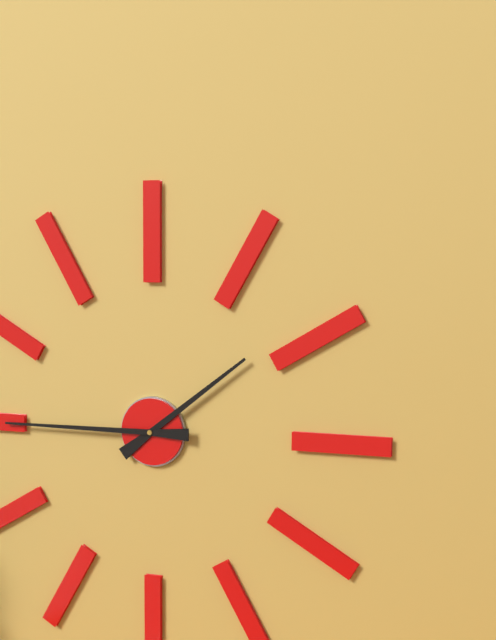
1:45
